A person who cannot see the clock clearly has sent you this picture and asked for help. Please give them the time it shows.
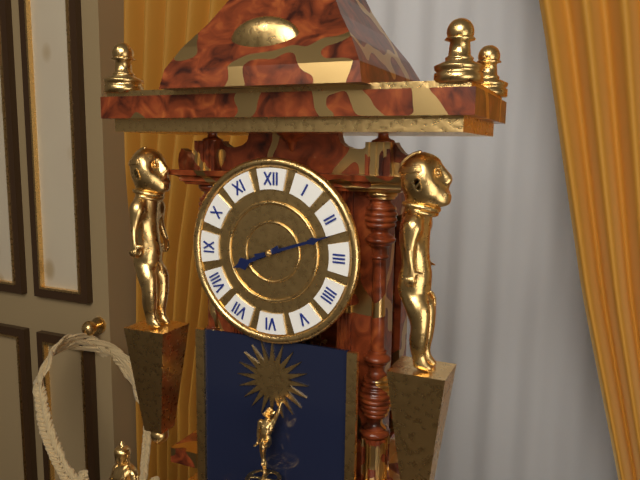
8:12
